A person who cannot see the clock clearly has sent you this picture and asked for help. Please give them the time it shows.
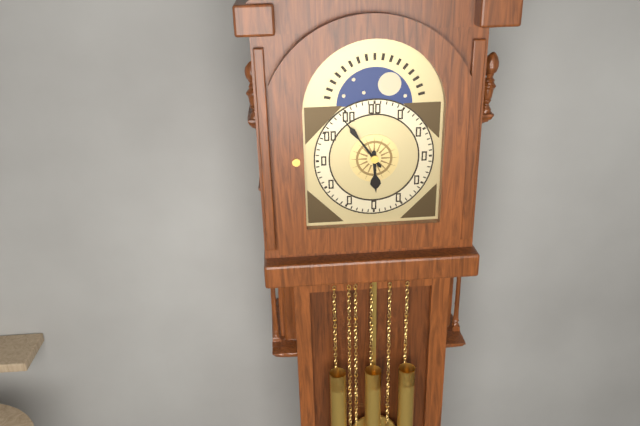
5:54
